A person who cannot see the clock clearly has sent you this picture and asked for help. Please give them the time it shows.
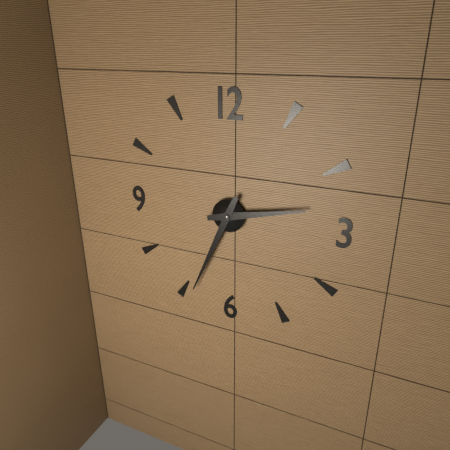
2:34
